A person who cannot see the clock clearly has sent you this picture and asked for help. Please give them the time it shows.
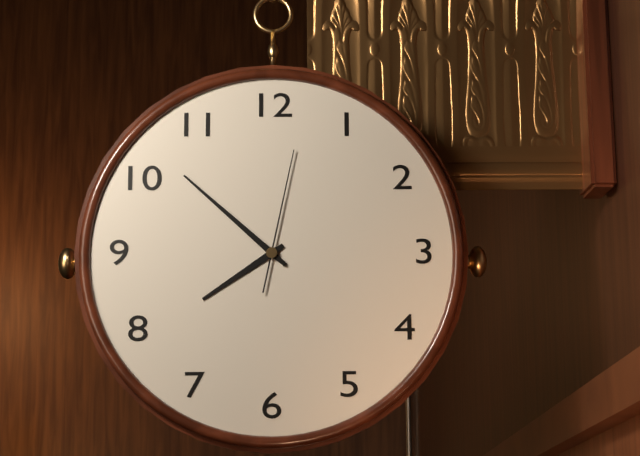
7:52:02
